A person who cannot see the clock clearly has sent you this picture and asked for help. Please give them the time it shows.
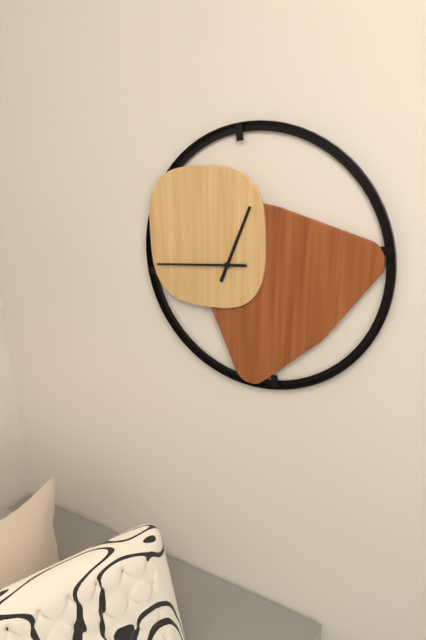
12:44
